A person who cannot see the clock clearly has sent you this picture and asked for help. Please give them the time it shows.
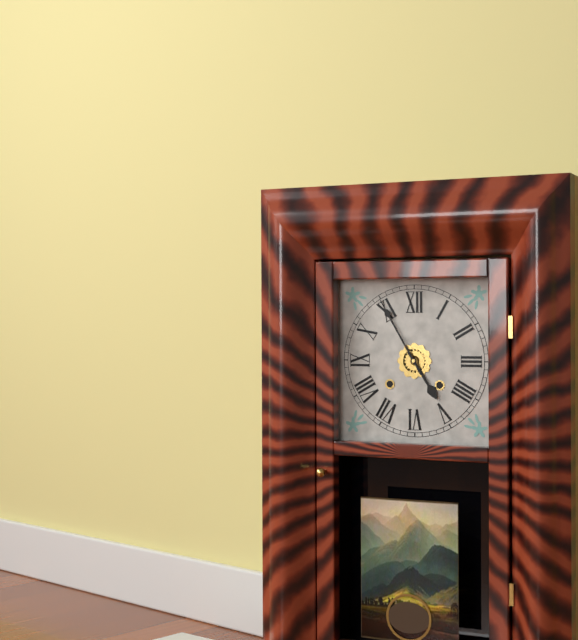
4:55
